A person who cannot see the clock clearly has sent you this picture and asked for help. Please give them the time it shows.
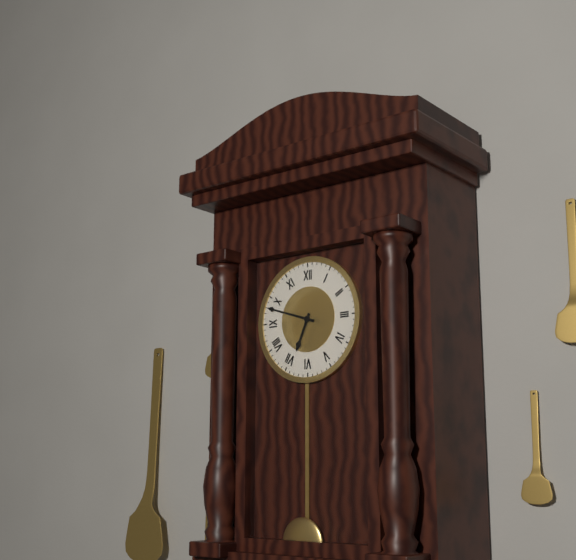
6:48
